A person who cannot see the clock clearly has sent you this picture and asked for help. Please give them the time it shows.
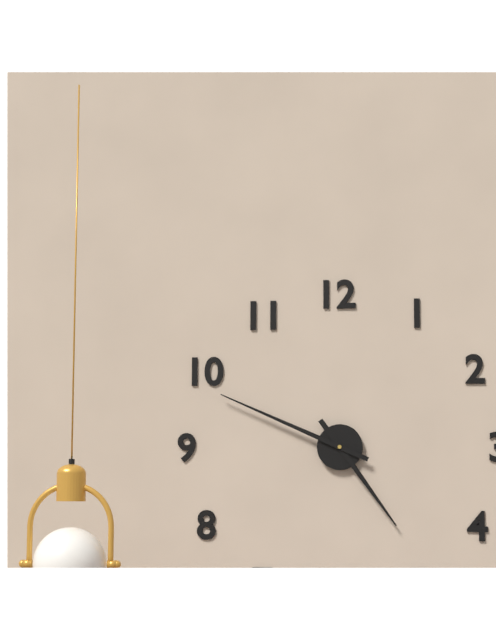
4:49
